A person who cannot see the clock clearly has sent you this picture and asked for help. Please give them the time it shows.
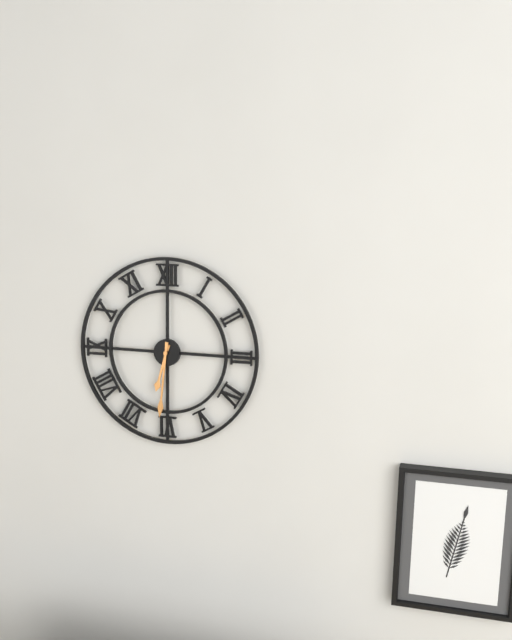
6:31
